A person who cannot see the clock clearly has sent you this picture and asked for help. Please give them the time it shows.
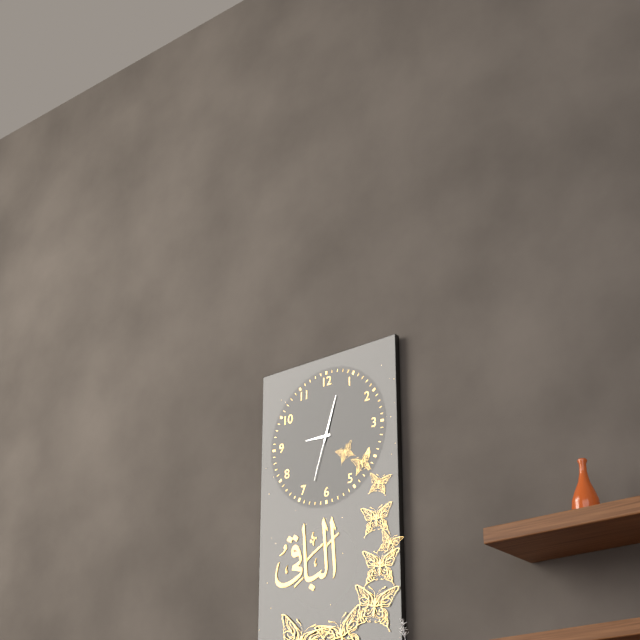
9:03:33
